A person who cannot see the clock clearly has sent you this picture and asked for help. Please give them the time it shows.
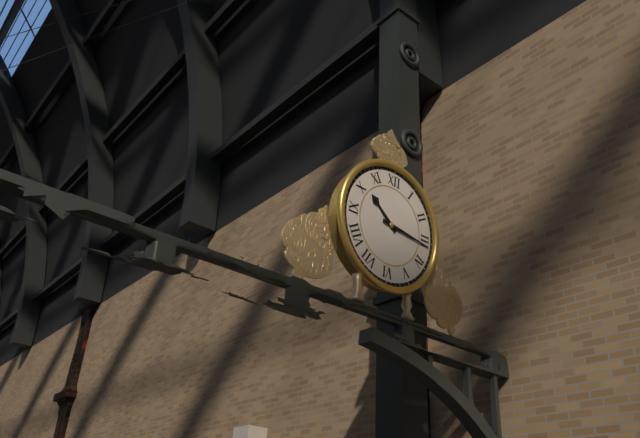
10:16
